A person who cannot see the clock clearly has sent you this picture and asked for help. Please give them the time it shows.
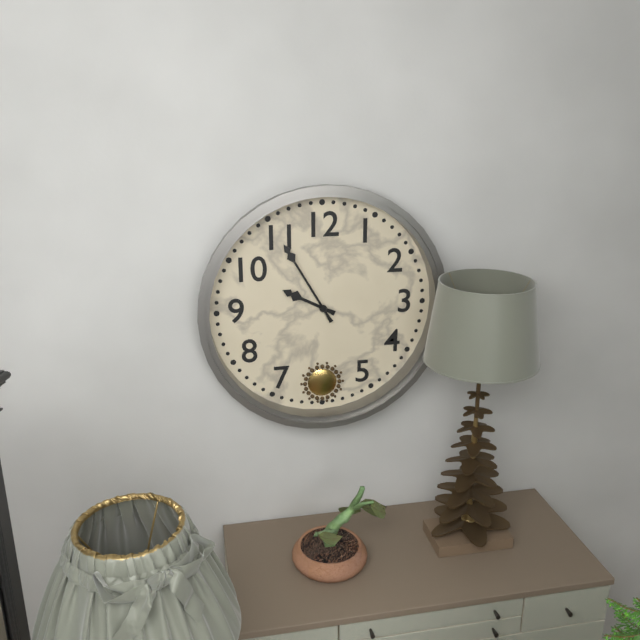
9:55
